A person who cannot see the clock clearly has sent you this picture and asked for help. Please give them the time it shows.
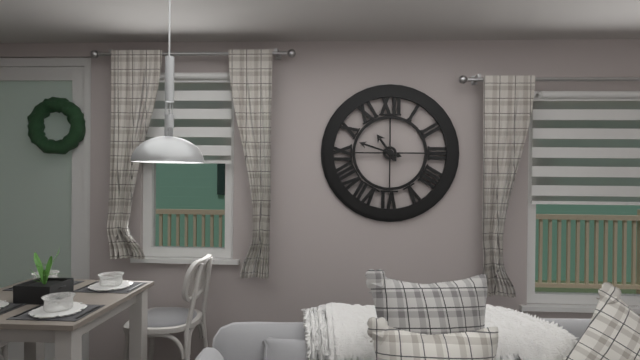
10:48
